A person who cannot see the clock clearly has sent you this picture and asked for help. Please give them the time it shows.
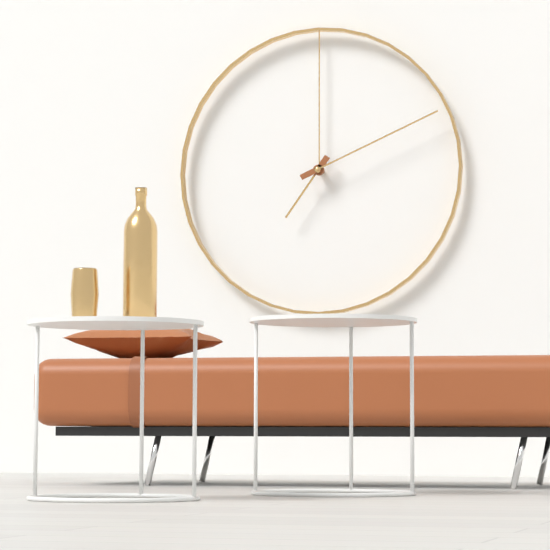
7:11
